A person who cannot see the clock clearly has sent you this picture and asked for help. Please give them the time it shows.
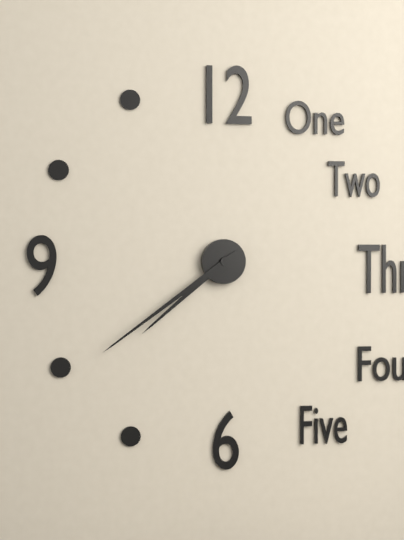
7:39
